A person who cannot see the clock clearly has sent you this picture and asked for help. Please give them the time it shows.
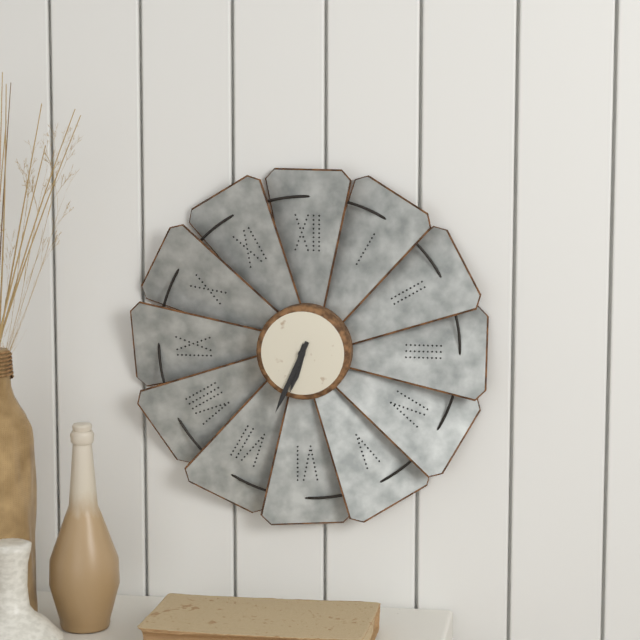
6:34
